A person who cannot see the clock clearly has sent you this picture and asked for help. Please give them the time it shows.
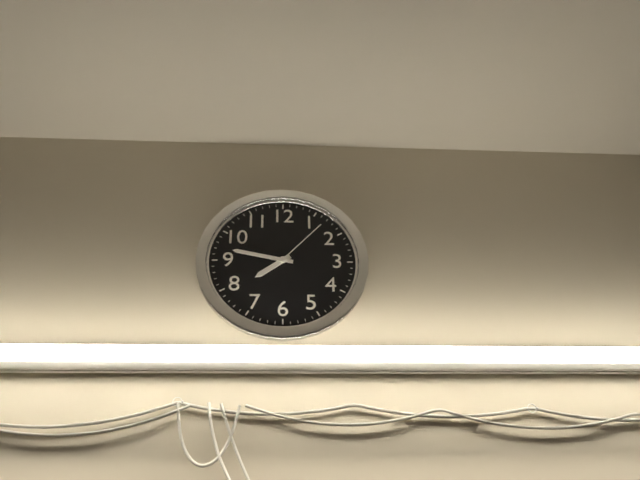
7:47:07
